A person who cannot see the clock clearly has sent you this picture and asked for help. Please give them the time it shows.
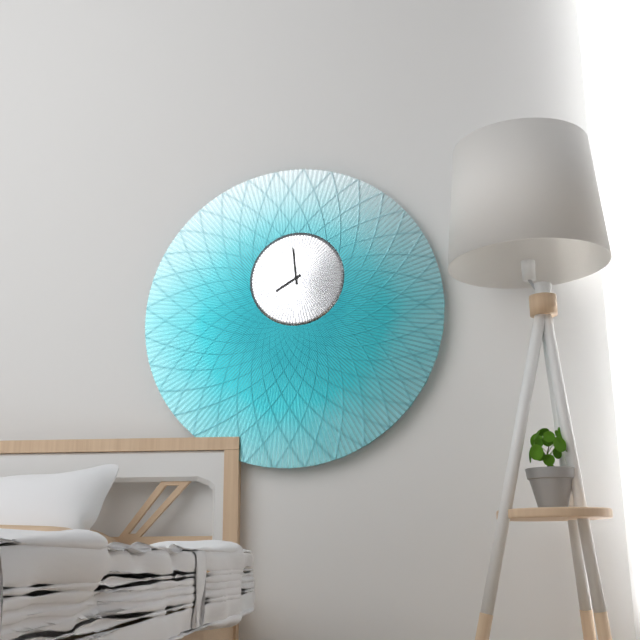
7:59
